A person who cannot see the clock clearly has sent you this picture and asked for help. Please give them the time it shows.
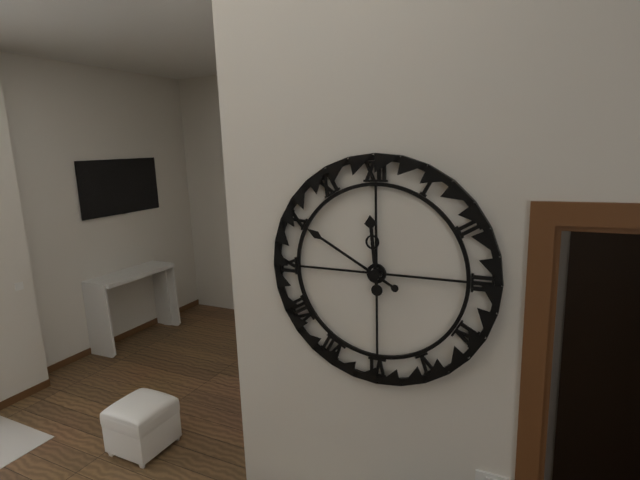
11:50
